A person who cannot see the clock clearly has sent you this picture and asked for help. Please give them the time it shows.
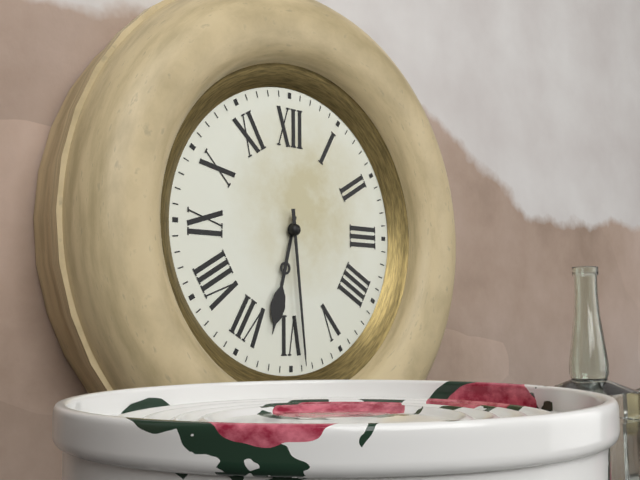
6:29
